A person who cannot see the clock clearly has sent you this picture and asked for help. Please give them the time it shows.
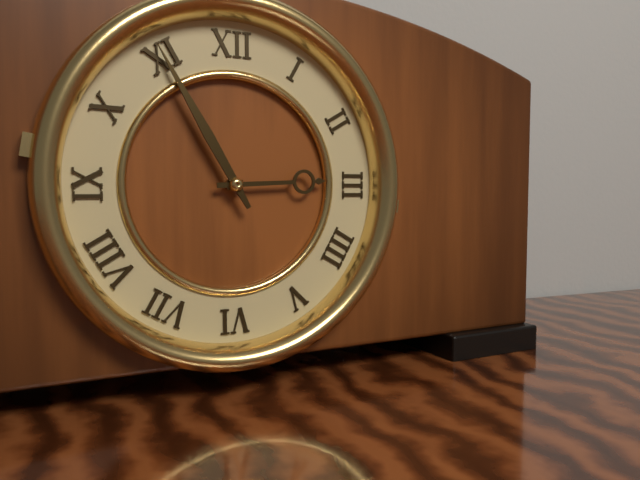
2:55
